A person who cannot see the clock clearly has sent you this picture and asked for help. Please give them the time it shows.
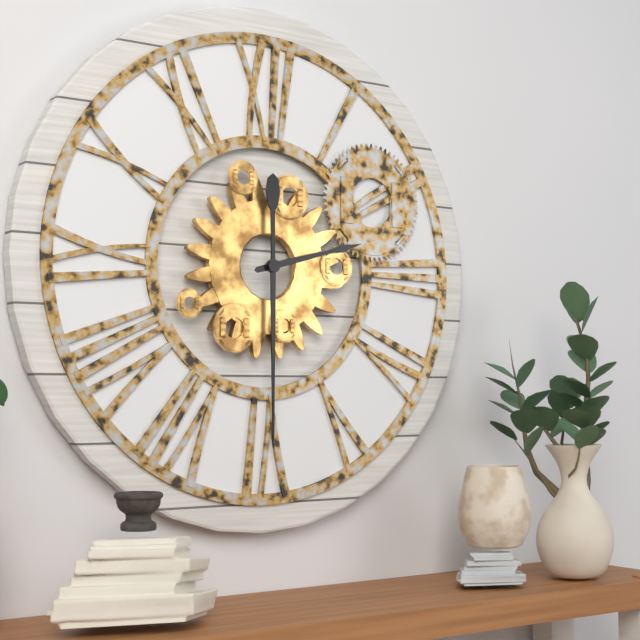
2:30
